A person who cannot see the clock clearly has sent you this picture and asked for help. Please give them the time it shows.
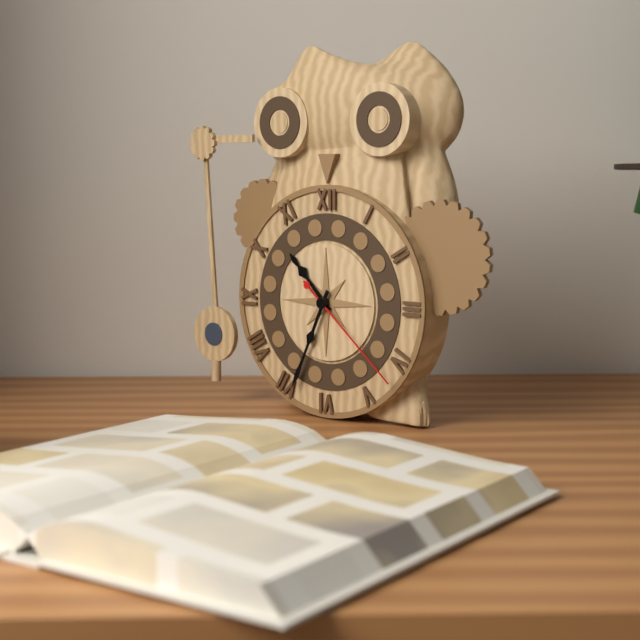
10:34:22
